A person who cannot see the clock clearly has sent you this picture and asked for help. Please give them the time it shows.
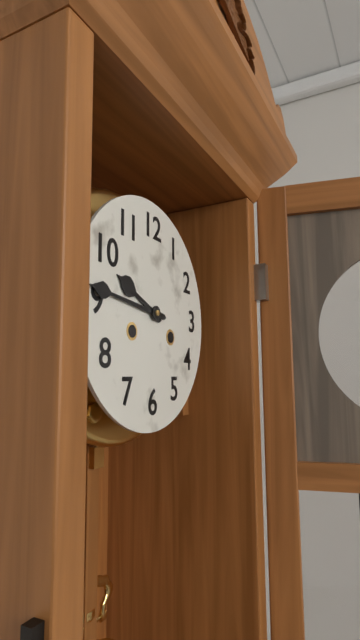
9:46
